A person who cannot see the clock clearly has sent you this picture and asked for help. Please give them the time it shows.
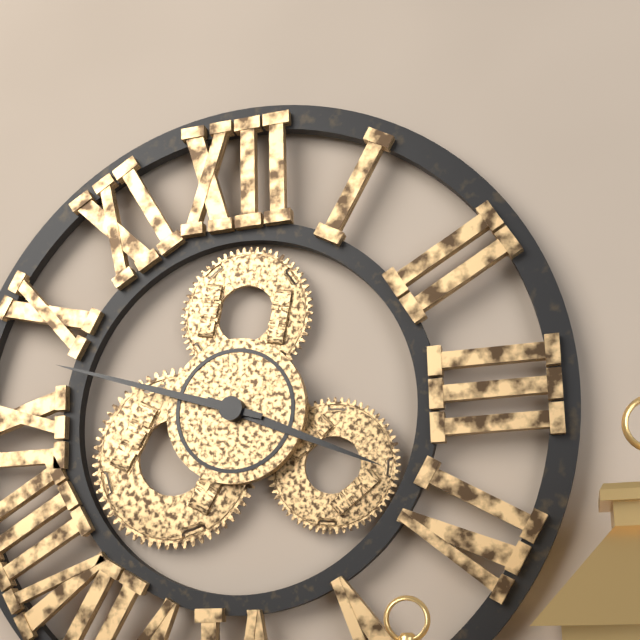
3:48
